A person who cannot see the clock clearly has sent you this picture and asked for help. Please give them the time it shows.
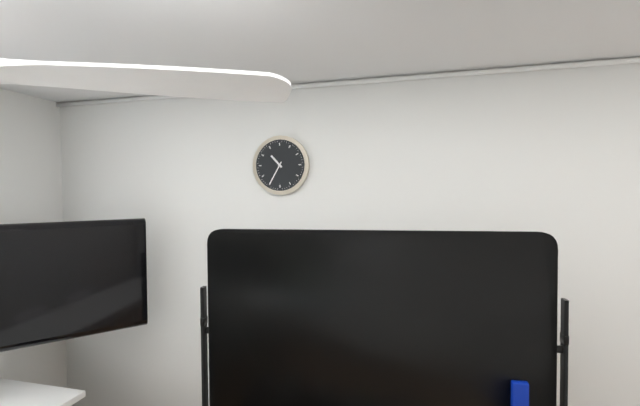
10:35
